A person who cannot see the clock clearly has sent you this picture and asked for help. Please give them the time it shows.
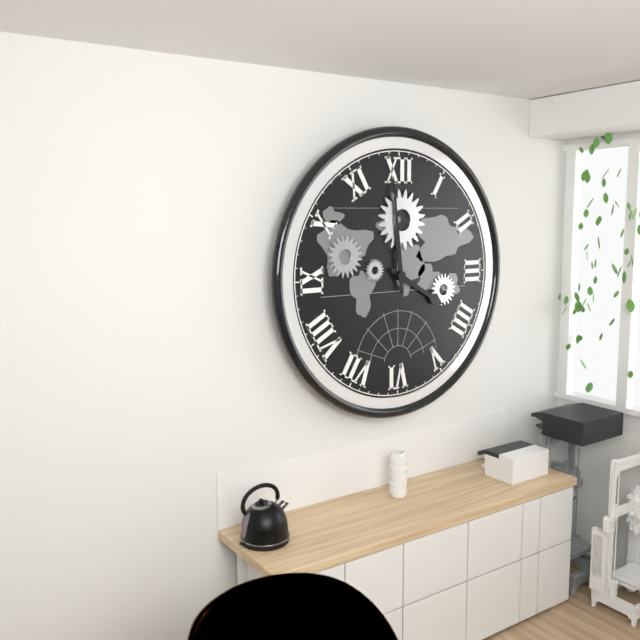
3:59
